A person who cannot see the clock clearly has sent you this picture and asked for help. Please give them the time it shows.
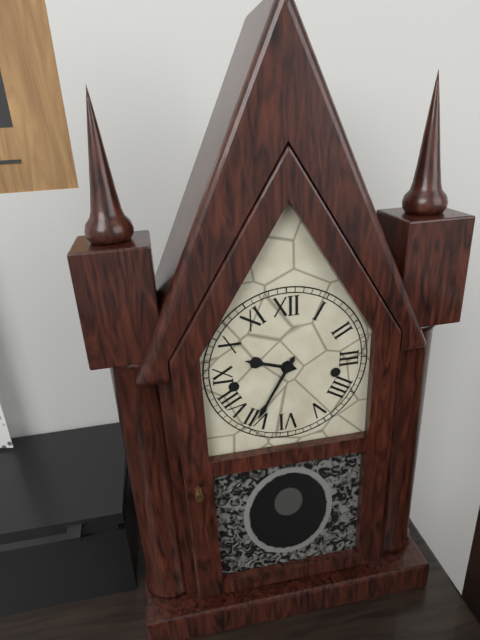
9:35
